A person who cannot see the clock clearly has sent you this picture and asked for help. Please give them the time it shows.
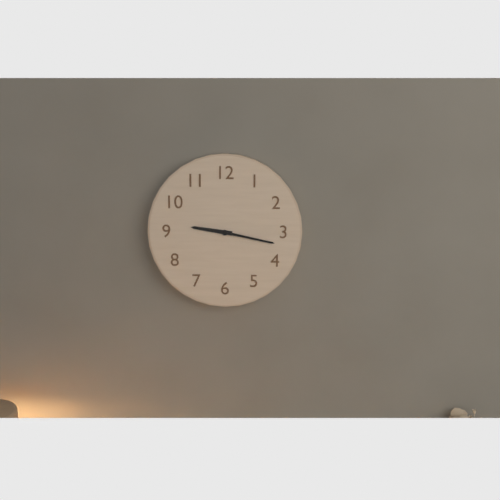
9:17
